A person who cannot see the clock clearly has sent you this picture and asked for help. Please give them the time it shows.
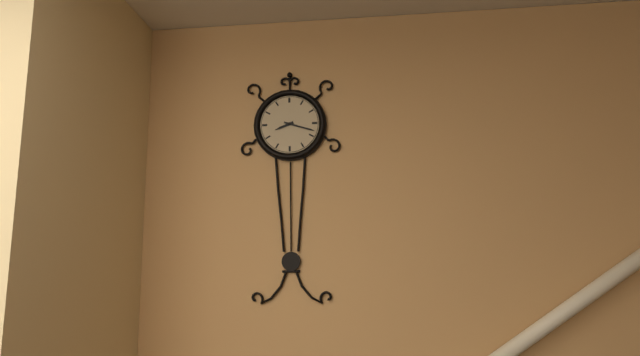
8:18
